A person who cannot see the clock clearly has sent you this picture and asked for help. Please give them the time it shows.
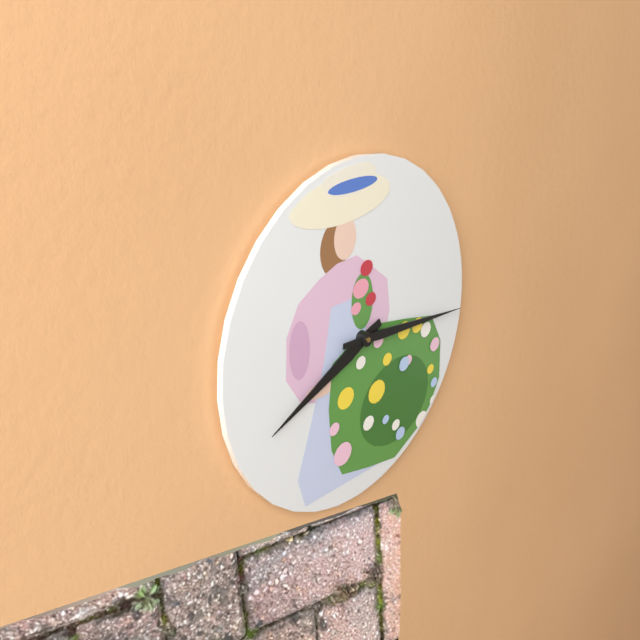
8:16
